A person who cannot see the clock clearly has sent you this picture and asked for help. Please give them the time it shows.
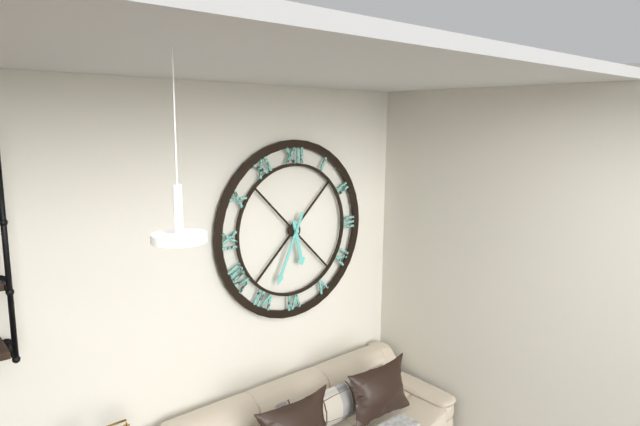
5:34
